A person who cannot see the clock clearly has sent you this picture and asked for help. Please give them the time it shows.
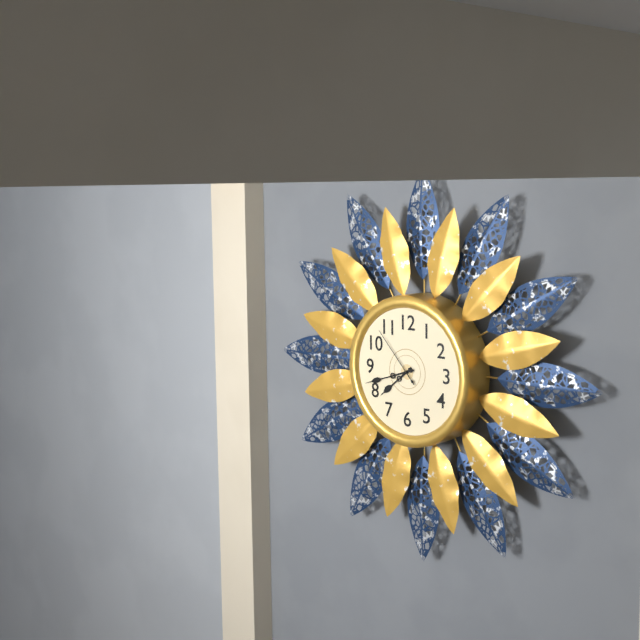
7:42:53
